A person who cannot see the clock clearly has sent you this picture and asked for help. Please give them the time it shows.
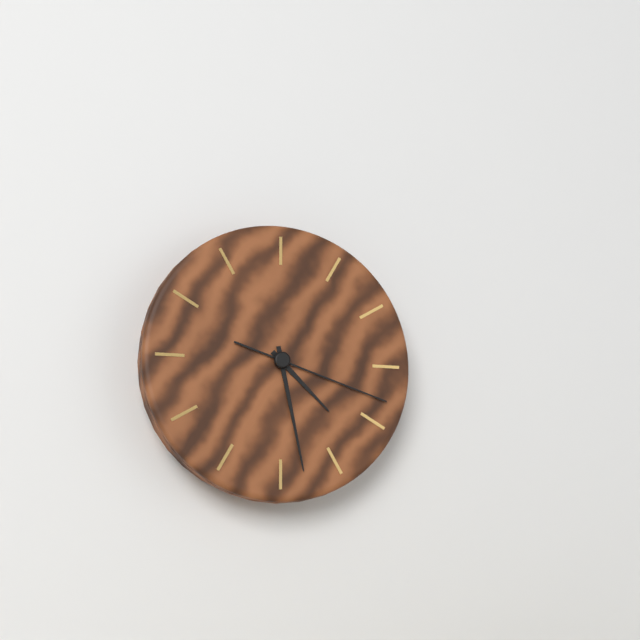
4:28:18
